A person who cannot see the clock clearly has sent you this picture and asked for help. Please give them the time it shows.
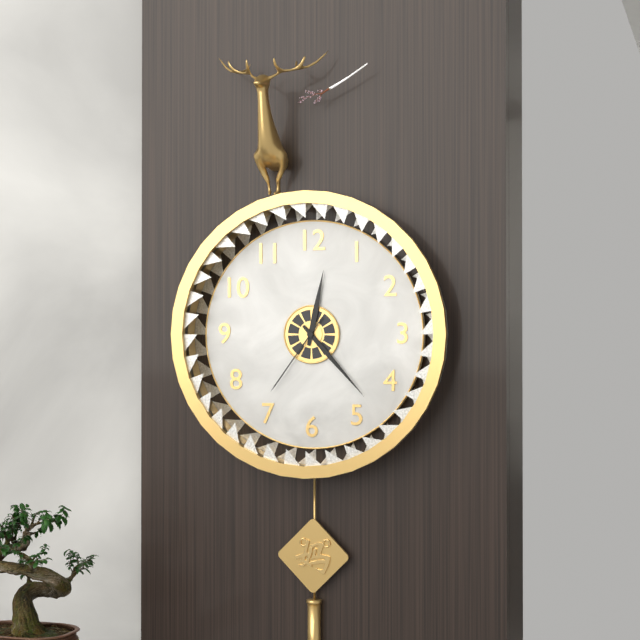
12:23:36
